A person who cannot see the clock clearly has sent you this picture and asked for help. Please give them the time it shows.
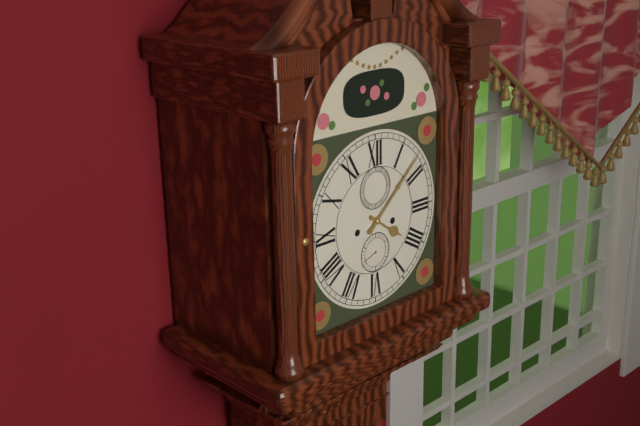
4:08
